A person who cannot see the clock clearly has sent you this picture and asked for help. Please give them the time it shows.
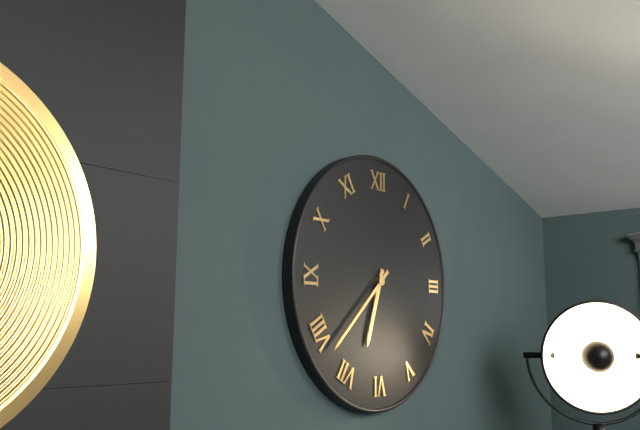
6:38
